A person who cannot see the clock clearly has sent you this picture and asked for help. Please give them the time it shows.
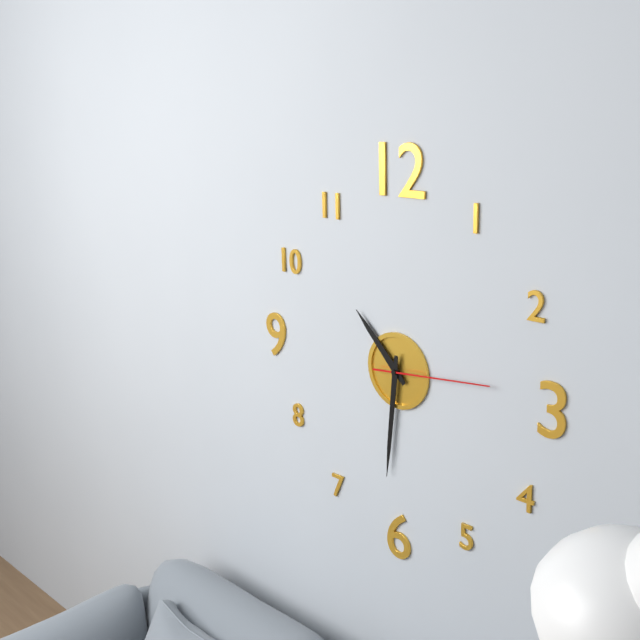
10:31:14
